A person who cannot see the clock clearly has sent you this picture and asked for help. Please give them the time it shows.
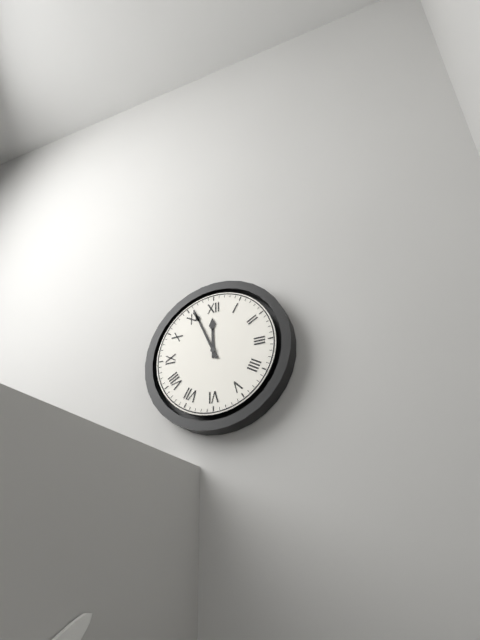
11:56
